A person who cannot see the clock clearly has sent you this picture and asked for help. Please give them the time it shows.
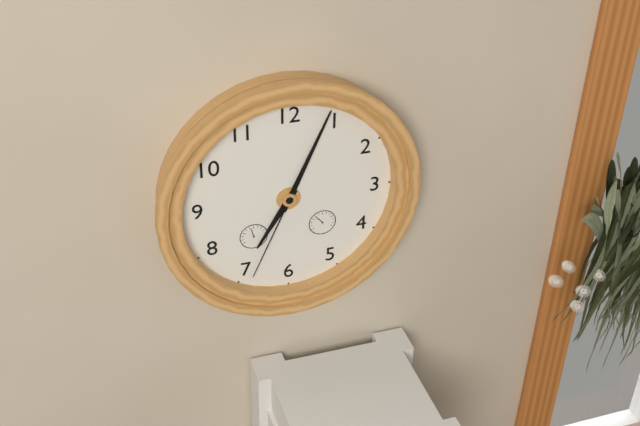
7:04:34
